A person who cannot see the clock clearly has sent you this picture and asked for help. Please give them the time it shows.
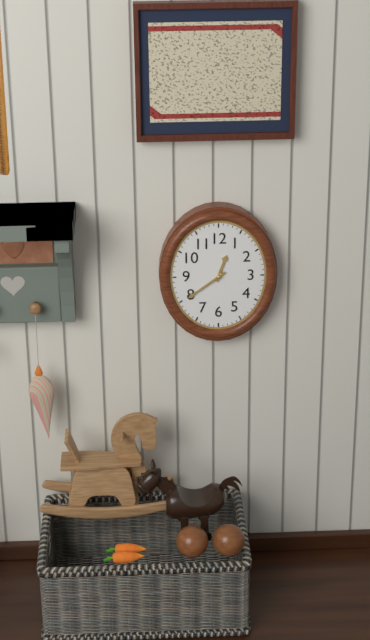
12:39
